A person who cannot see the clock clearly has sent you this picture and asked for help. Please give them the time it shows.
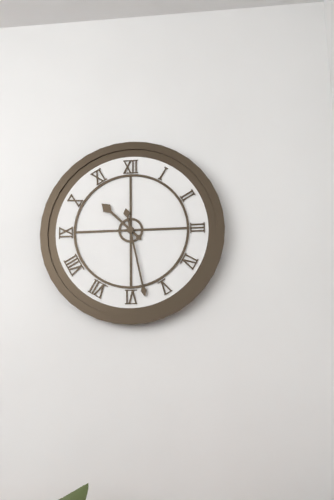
10:28
